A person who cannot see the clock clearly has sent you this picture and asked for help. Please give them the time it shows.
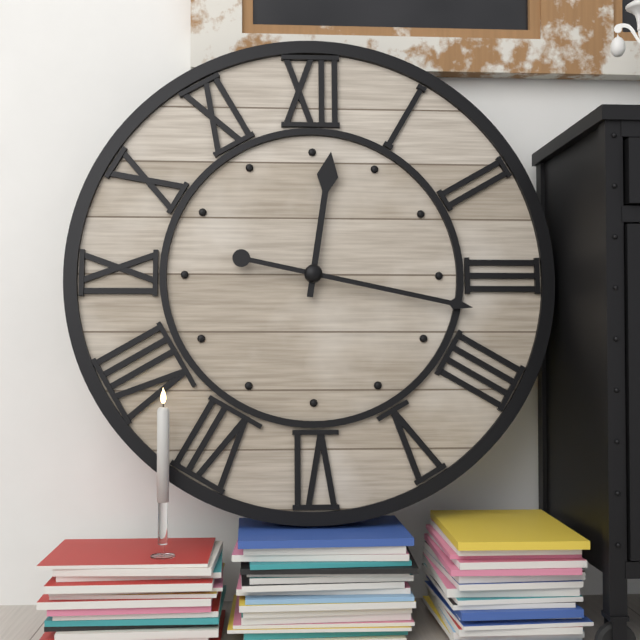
12:17
